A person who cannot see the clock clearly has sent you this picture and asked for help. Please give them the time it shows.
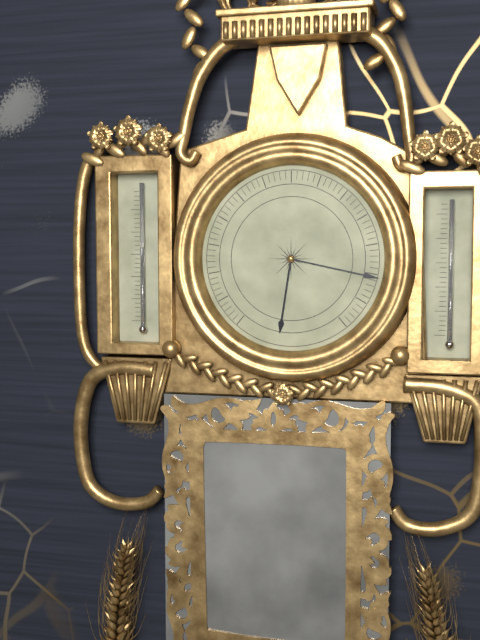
6:17
